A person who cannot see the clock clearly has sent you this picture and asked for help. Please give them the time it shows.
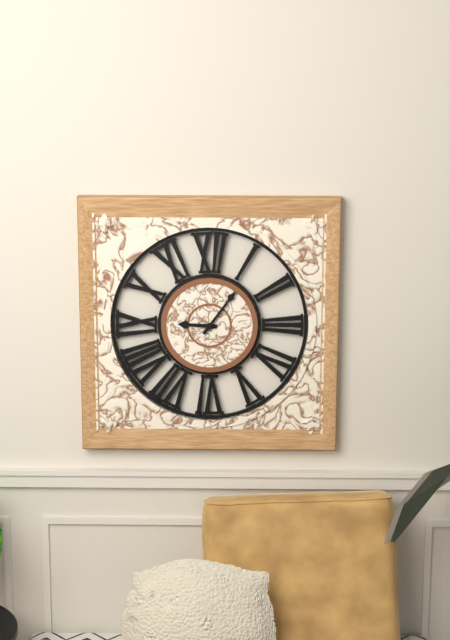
9:06
